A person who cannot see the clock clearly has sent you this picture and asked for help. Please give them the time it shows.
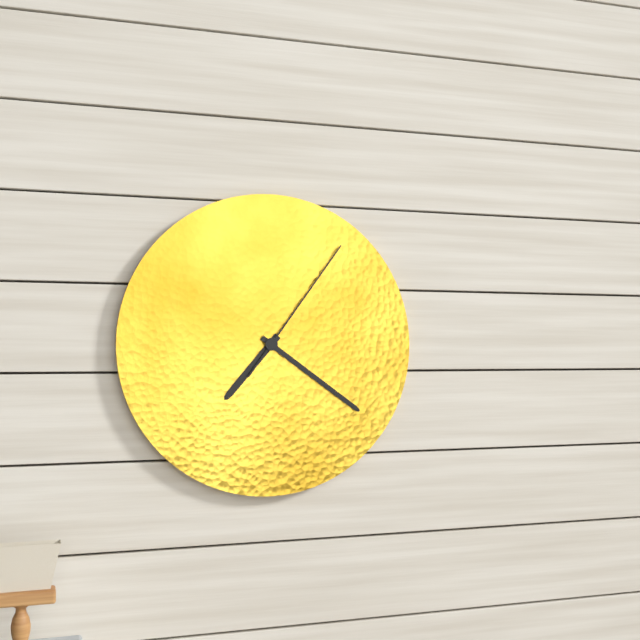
7:21:06
